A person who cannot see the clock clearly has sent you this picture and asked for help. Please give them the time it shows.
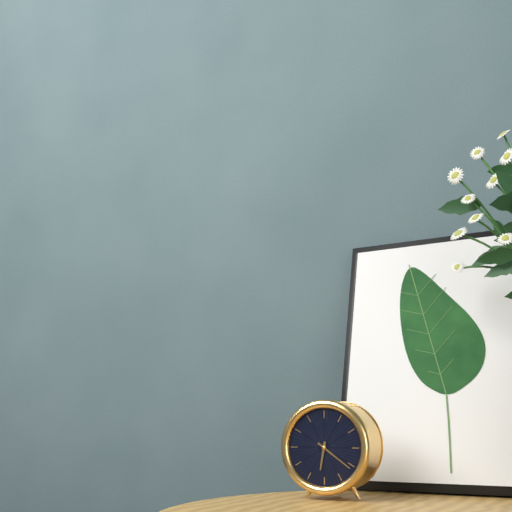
6:21
